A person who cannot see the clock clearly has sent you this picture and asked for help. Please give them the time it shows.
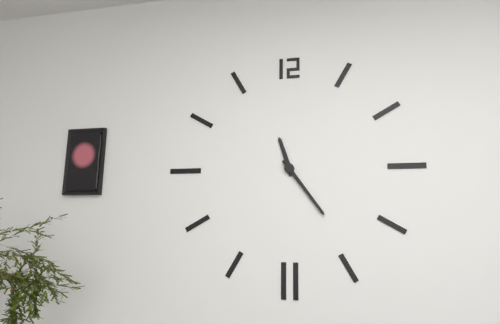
11:24
